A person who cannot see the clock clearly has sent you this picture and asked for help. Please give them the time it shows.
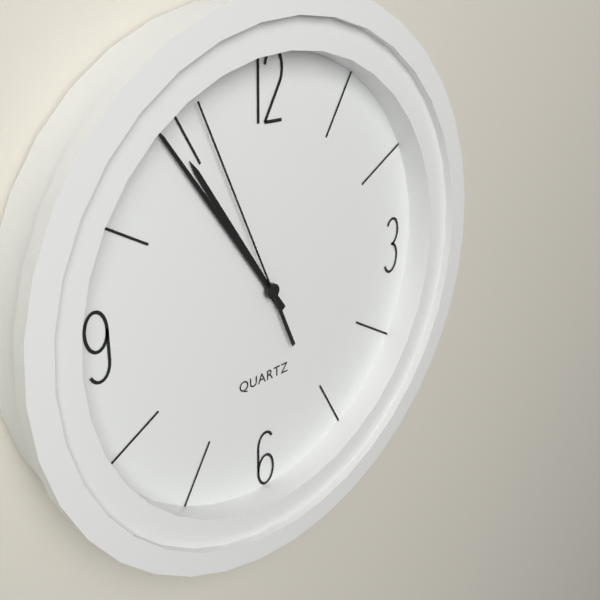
10:54:56
